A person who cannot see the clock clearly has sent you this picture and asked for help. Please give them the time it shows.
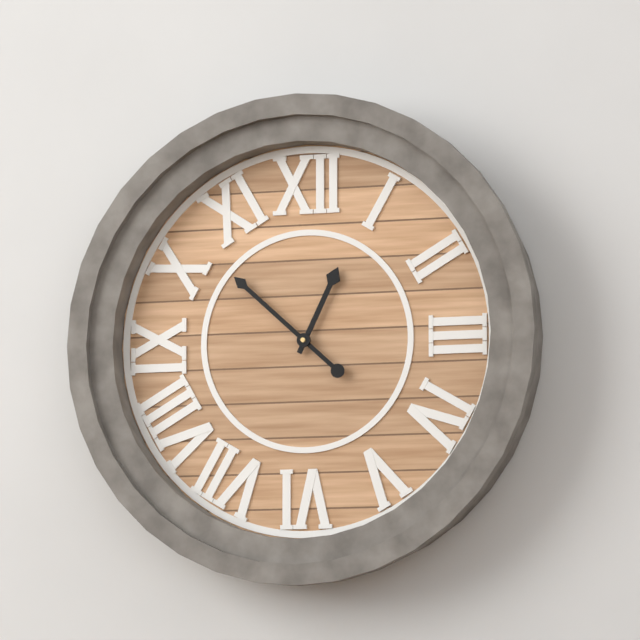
12:52
